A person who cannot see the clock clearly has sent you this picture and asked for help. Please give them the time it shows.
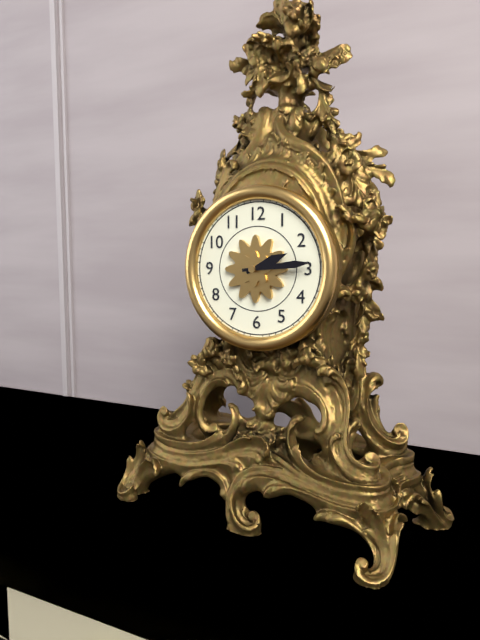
2:14
